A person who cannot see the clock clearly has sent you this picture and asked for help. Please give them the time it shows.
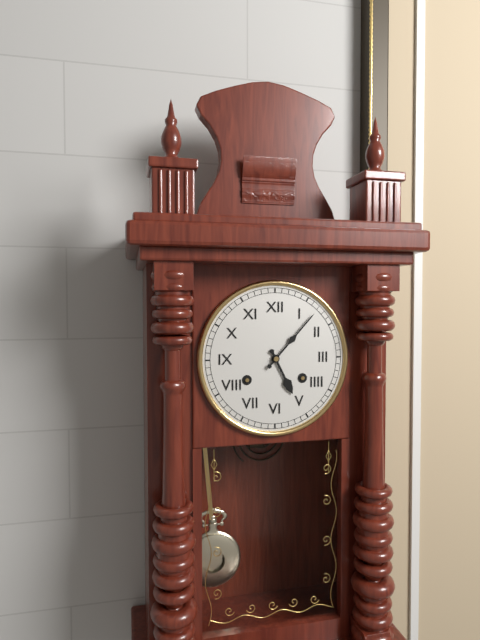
5:07
